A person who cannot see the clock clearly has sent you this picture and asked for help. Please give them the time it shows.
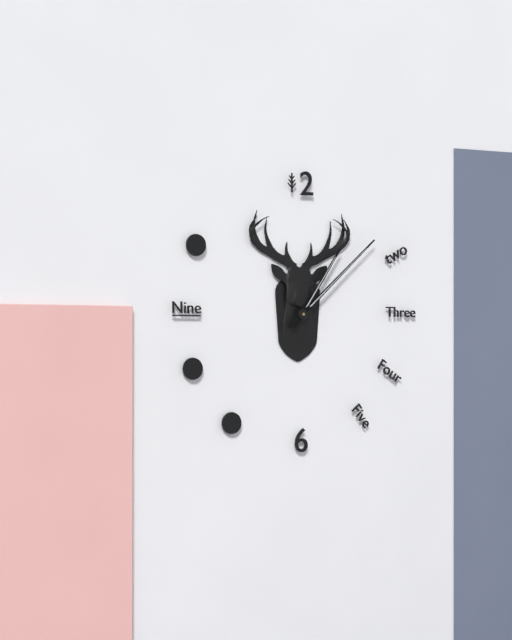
1:08
